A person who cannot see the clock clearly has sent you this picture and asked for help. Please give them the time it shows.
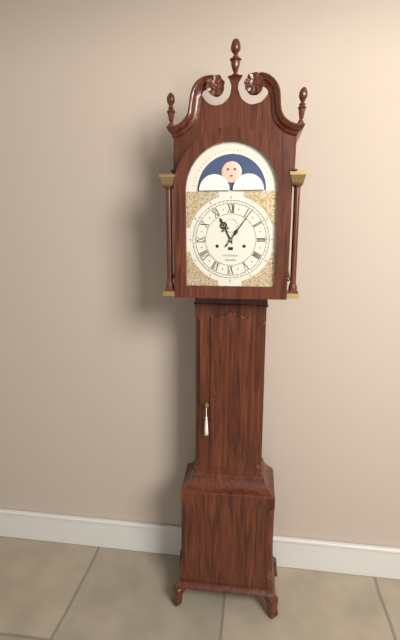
11:06
